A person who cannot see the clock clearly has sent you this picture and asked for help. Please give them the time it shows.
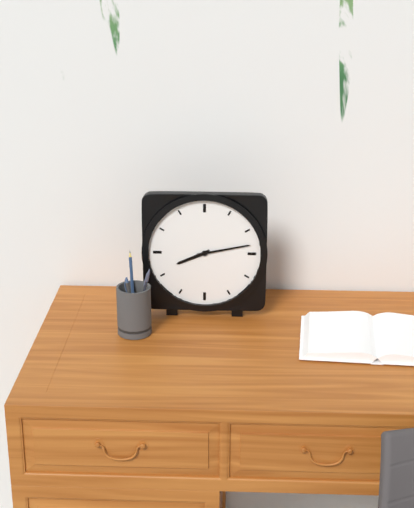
8:13
